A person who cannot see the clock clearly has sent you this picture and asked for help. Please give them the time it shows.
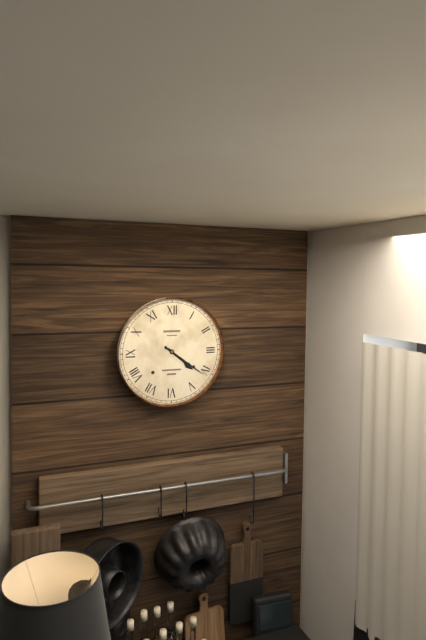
4:21
